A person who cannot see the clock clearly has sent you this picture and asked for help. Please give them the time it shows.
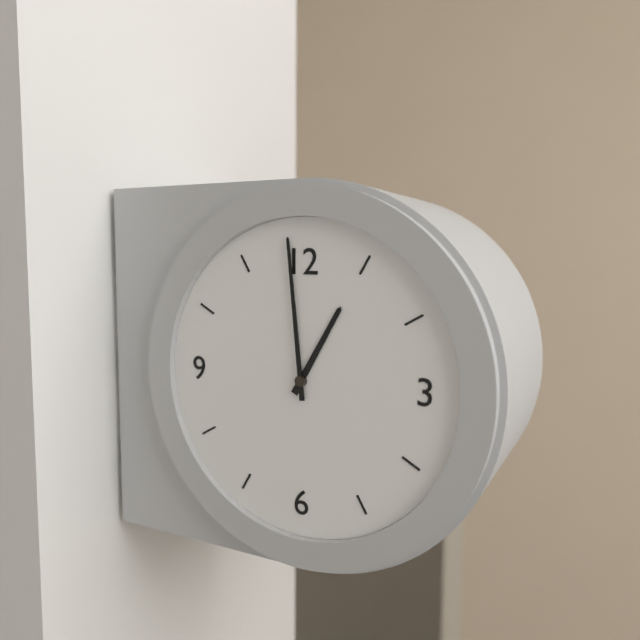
12:59
